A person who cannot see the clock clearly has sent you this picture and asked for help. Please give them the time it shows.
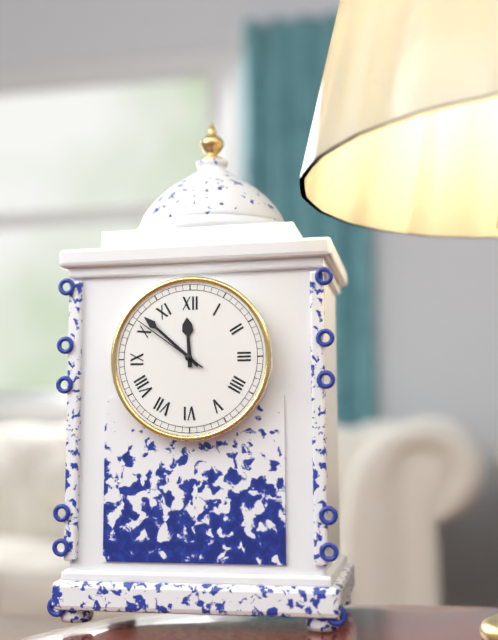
11:52:51
